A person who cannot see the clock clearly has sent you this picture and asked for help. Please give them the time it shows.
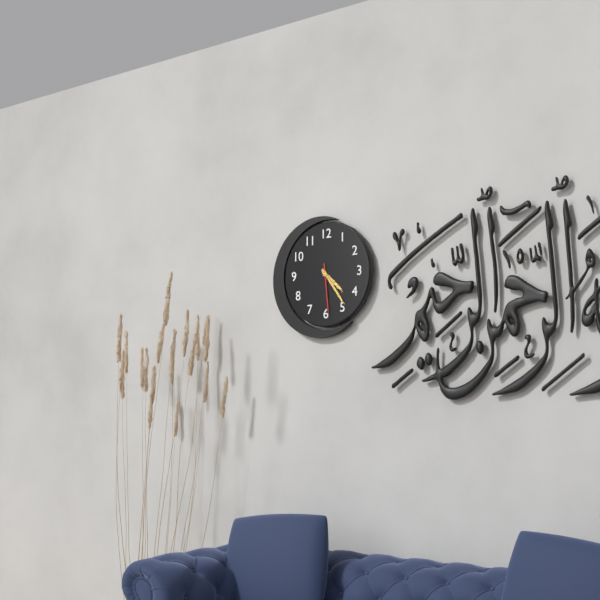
4:24:29
